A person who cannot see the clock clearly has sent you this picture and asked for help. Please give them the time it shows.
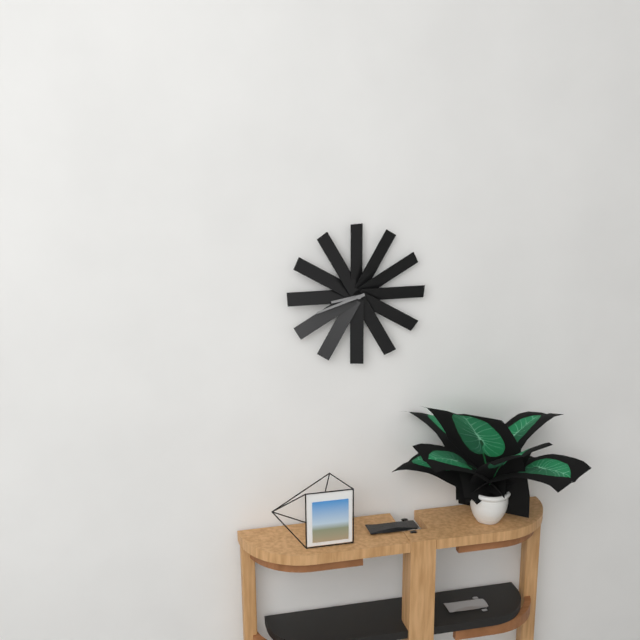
8:42
